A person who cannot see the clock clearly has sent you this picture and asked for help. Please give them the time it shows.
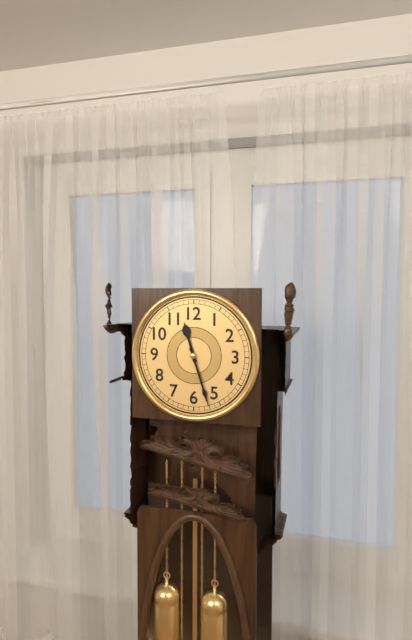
11:27
